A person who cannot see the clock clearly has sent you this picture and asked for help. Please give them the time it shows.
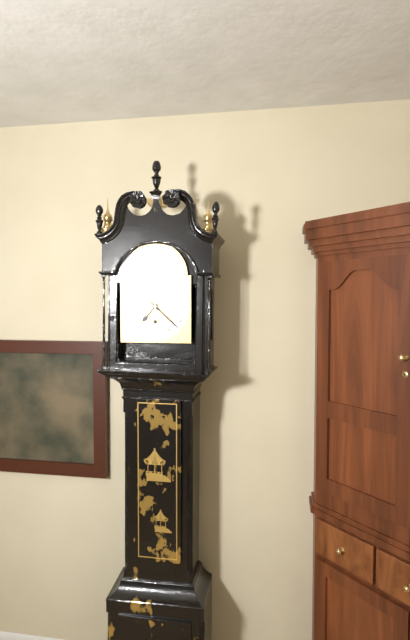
7:22
